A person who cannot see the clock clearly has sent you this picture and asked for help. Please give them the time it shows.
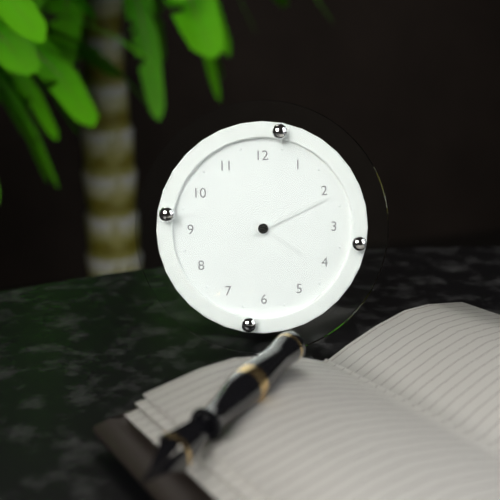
4:11
